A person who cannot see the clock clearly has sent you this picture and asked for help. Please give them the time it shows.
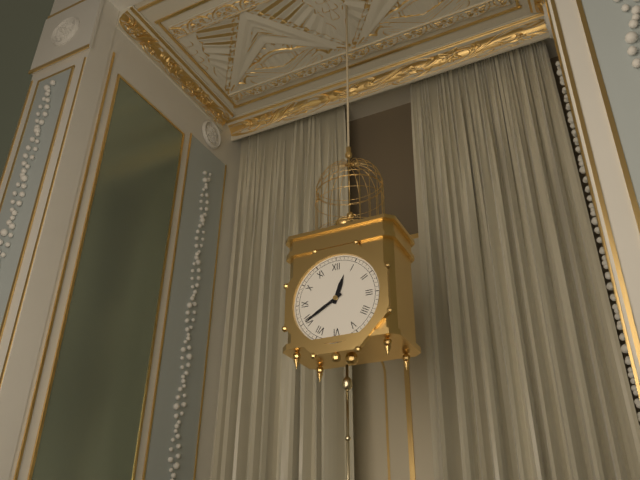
12:40
